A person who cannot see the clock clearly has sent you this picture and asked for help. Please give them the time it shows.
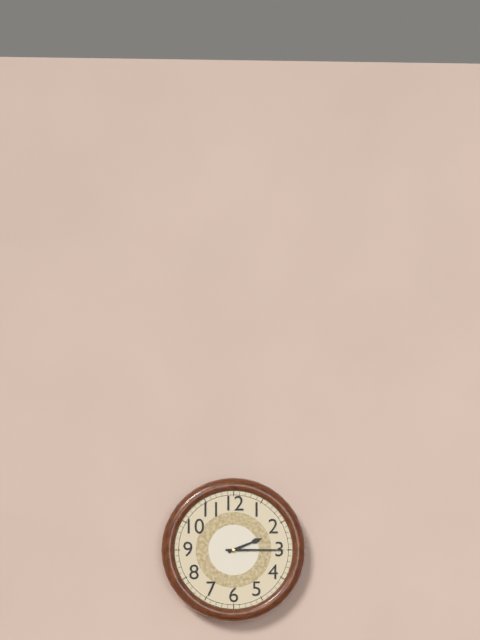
2:15
